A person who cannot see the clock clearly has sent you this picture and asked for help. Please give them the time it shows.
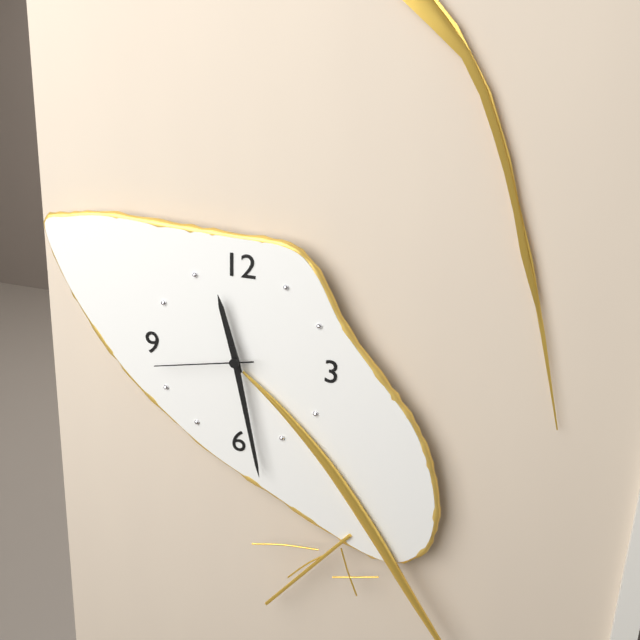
11:28:43
